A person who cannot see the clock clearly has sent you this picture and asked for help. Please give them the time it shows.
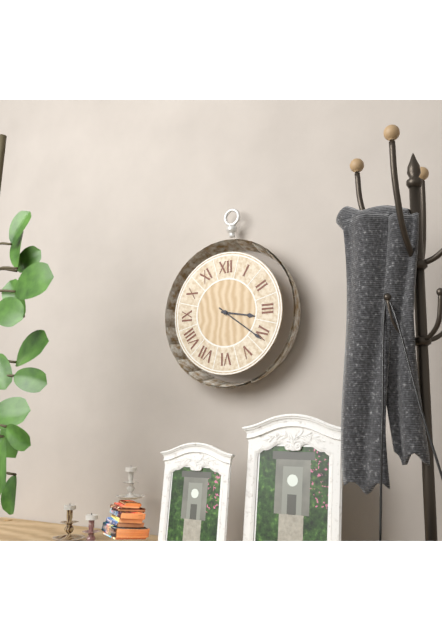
3:21
